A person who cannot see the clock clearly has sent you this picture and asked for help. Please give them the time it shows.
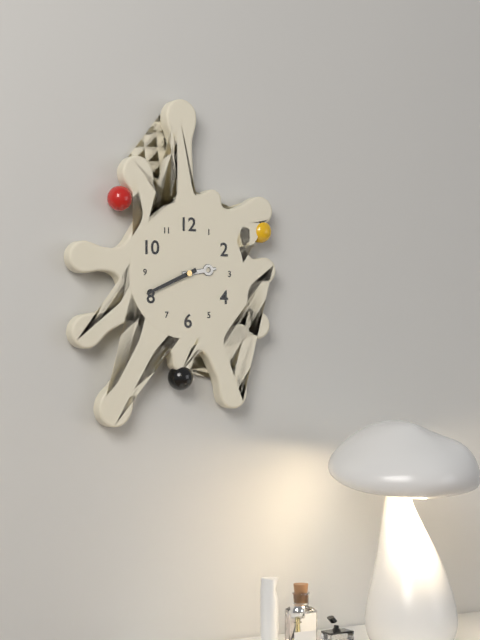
2:41
